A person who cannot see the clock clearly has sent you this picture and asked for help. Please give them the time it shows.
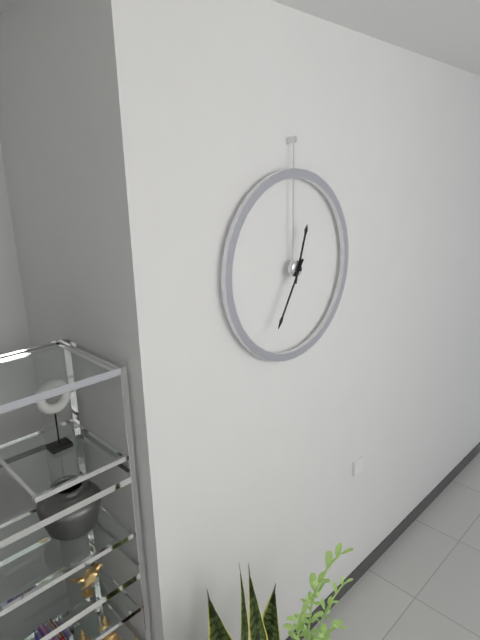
12:35
